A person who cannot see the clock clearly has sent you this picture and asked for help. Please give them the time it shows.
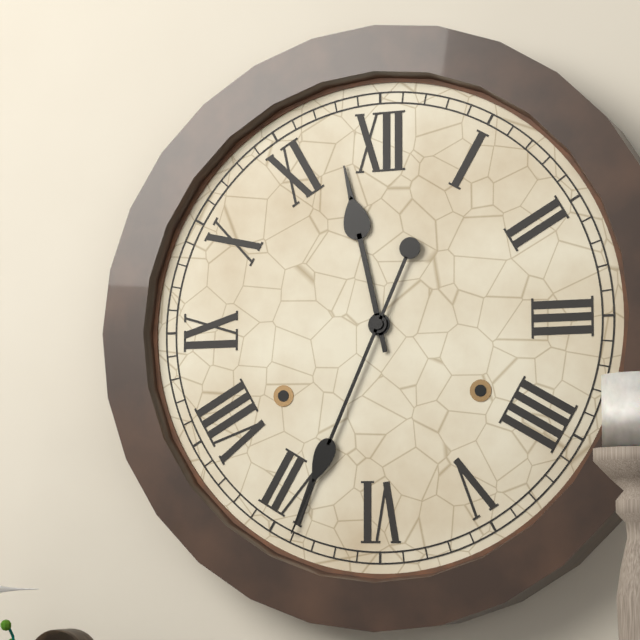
11:34
